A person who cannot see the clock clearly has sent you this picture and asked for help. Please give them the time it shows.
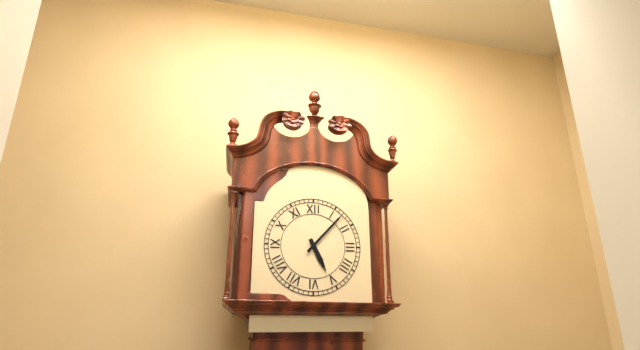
5:07
